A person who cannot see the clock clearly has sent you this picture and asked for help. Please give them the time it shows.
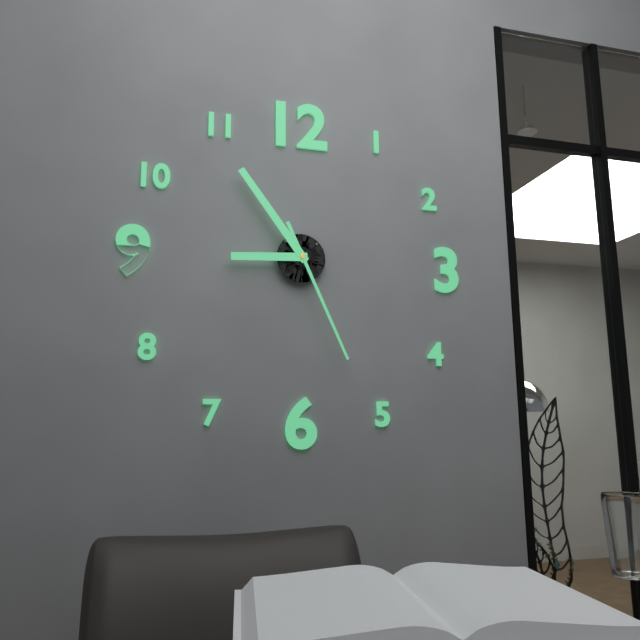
8:54:26
